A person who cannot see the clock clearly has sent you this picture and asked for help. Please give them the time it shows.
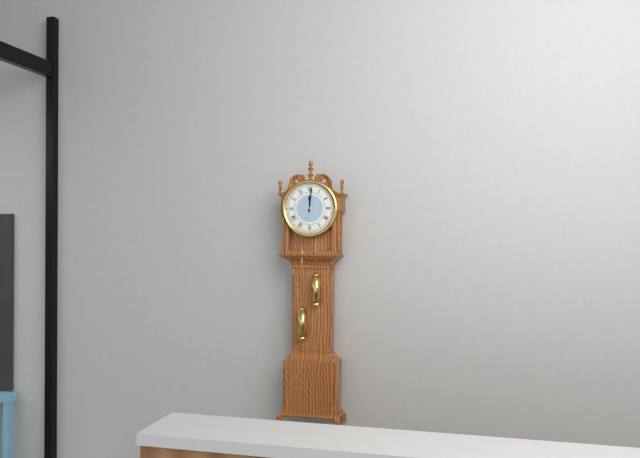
12:01
